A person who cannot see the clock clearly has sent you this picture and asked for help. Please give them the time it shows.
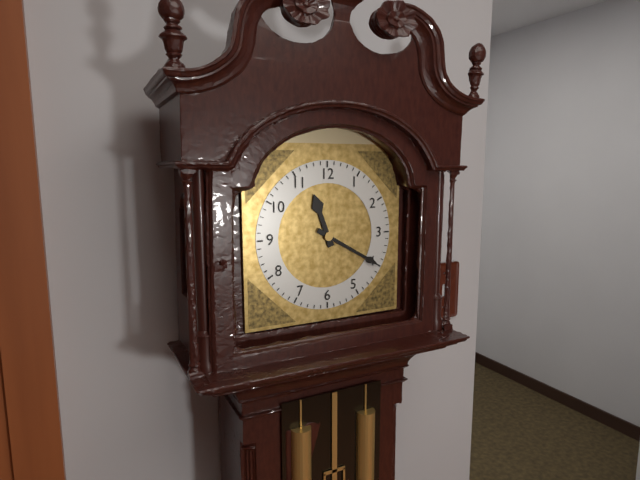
11:20
